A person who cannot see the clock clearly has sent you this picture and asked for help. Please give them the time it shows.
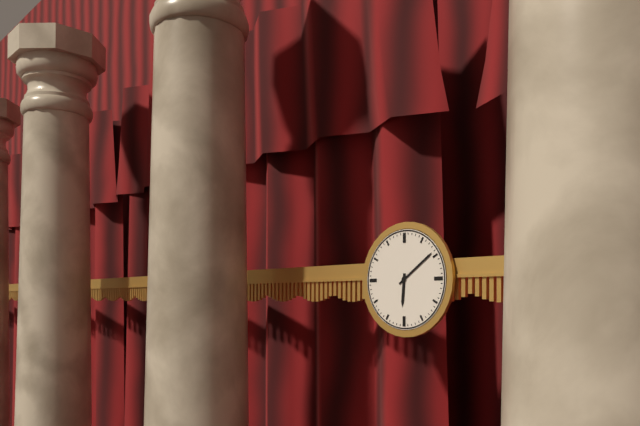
6:09
